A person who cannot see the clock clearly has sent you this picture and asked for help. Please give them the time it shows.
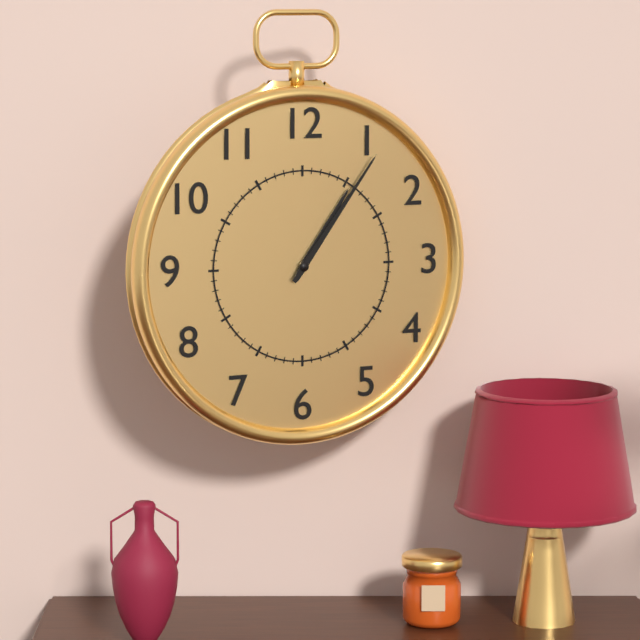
1:06
